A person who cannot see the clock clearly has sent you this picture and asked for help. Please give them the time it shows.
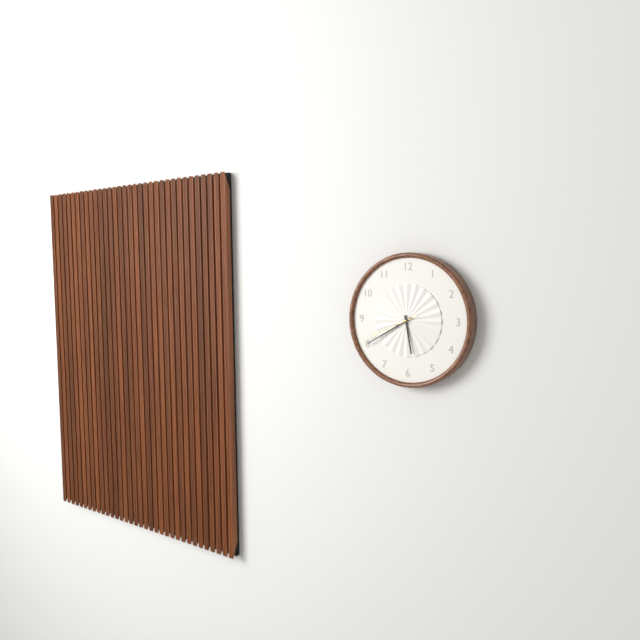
5:40:41
